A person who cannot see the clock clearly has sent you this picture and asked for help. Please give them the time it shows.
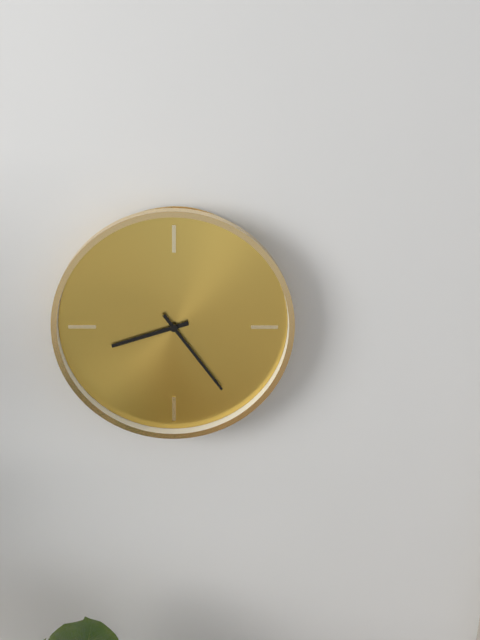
8:24
